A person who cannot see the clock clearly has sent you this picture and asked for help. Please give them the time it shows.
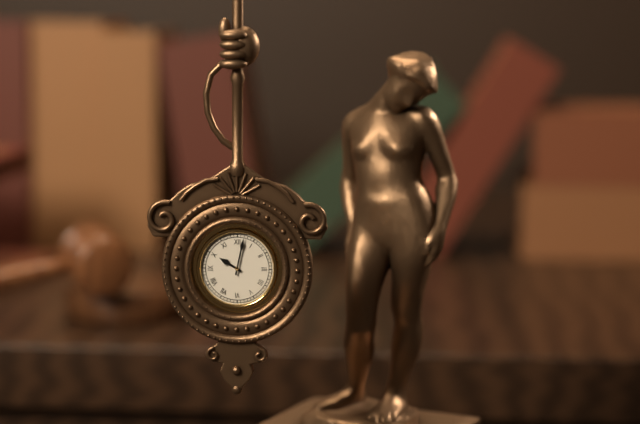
10:02
